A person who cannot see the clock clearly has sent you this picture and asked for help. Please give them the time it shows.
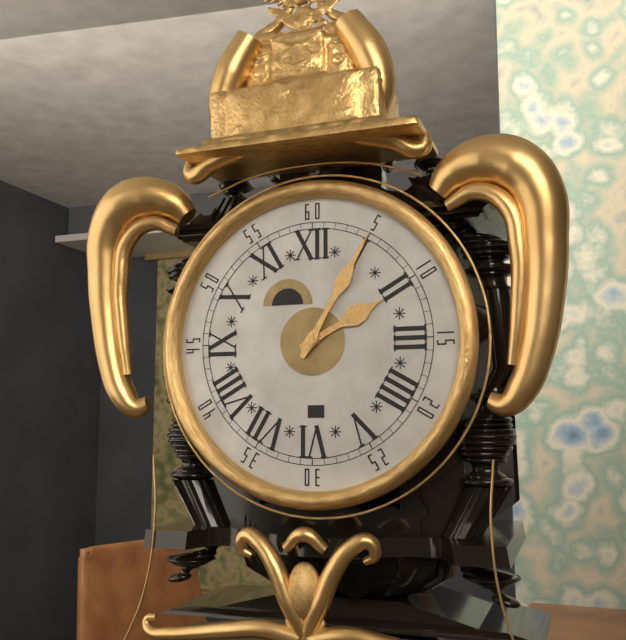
2:05
